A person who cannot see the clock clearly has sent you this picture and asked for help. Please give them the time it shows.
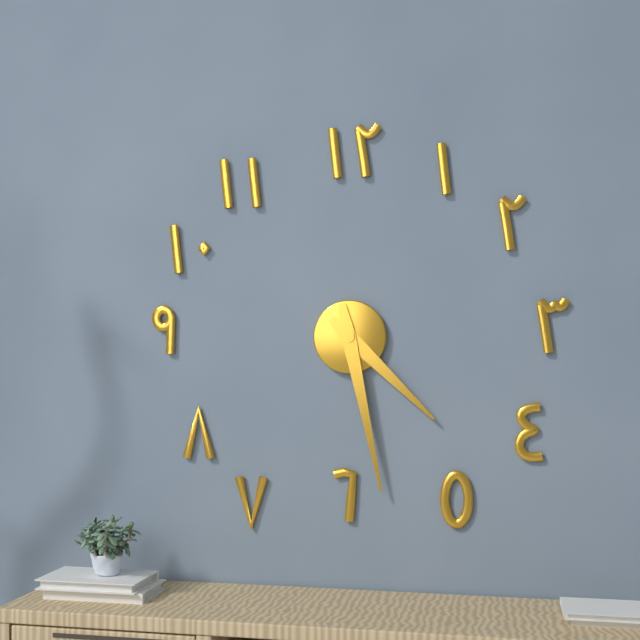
4:28
